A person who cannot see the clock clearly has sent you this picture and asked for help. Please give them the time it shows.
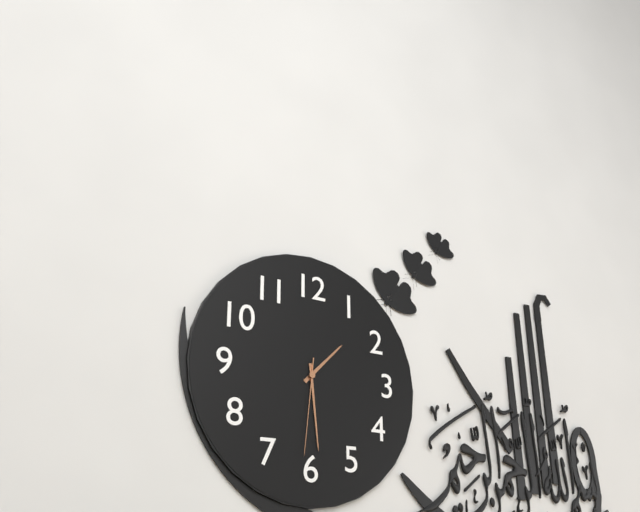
1:29:31
